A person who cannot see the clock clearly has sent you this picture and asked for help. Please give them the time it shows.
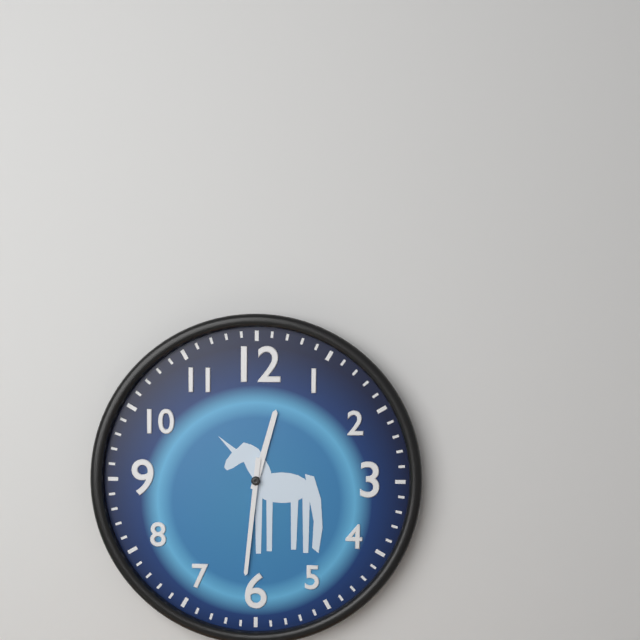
12:31
